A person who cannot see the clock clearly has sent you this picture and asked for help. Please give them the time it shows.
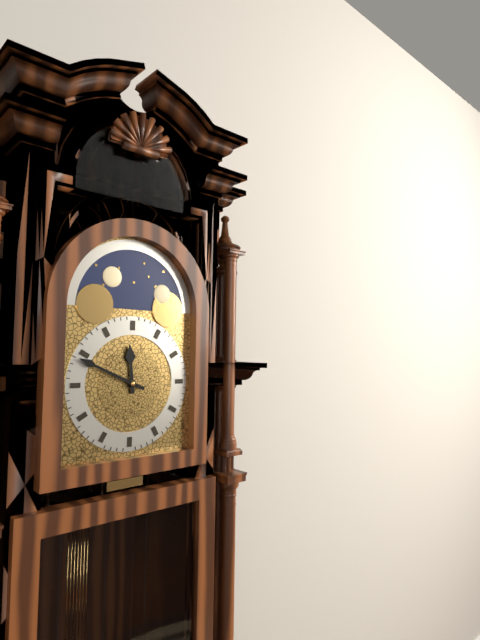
11:49
